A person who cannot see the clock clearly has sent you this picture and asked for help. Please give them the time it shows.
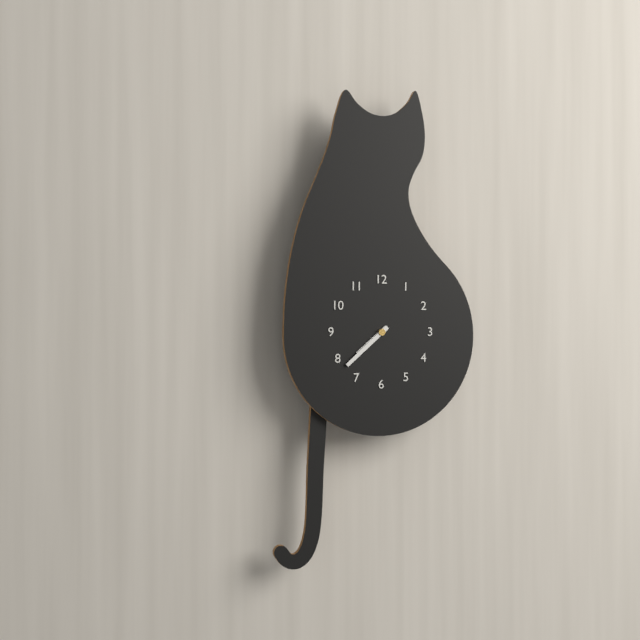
7:38
